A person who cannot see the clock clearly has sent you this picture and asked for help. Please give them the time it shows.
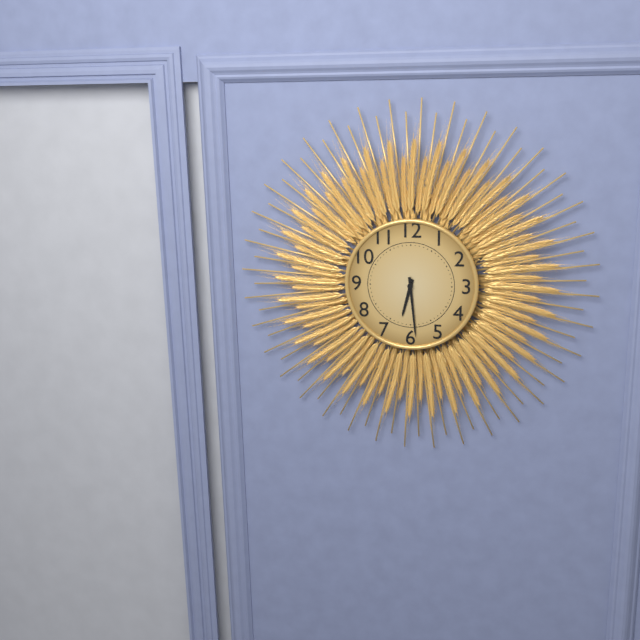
6:29
